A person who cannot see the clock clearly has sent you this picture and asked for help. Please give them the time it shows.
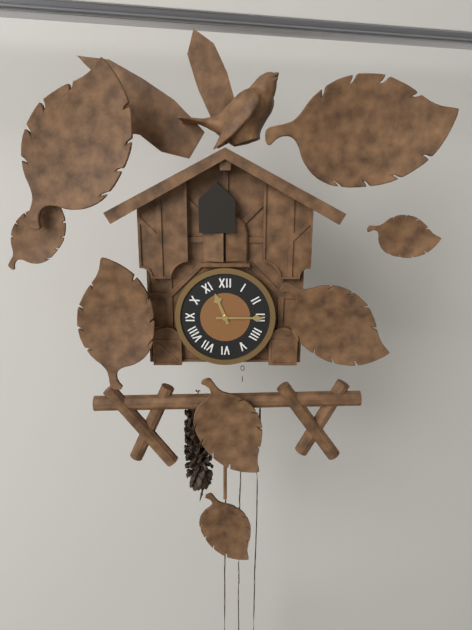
11:15
